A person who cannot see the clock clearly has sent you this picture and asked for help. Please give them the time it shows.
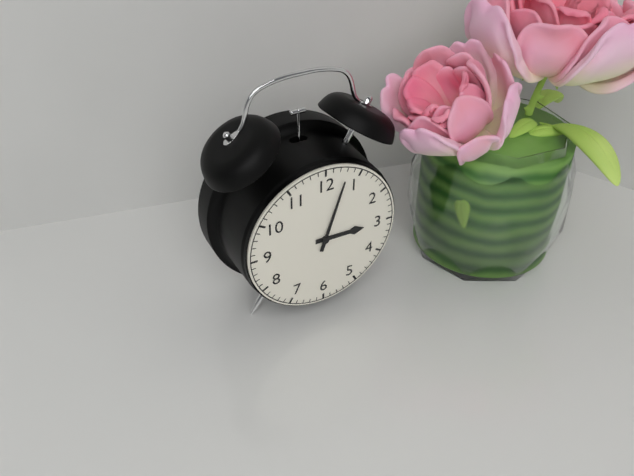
3:03
